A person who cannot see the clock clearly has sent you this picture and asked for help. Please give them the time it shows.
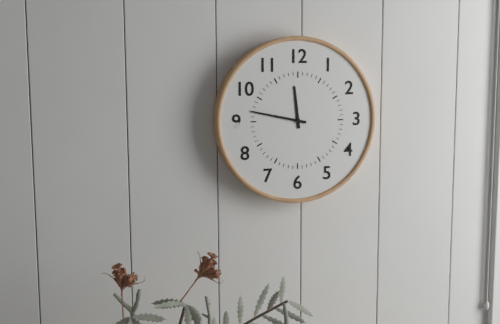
11:47
